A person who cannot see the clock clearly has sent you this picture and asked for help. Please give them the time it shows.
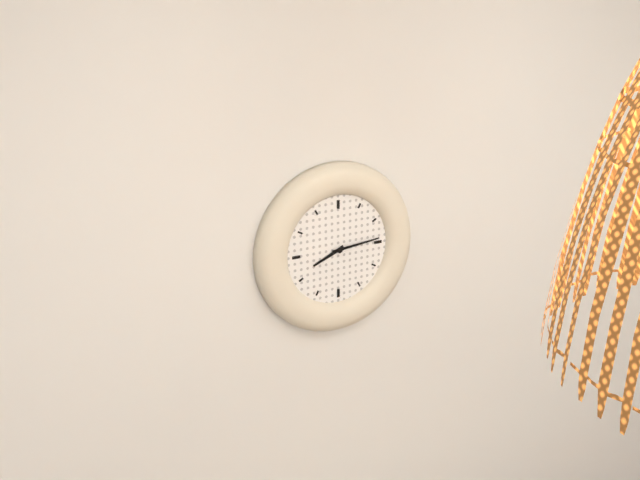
8:14
